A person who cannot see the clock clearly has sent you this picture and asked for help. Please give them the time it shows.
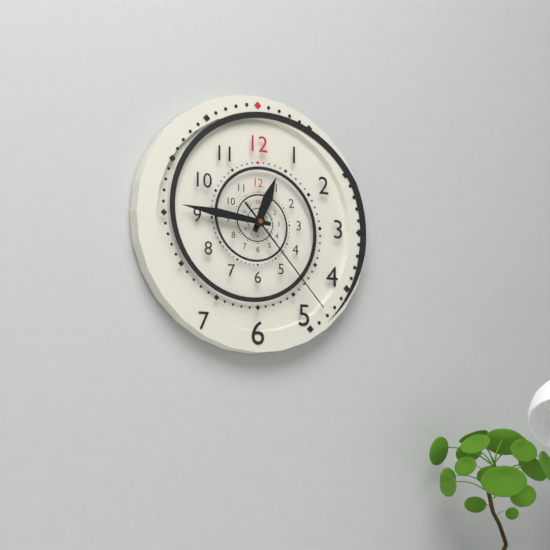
12:46:23
